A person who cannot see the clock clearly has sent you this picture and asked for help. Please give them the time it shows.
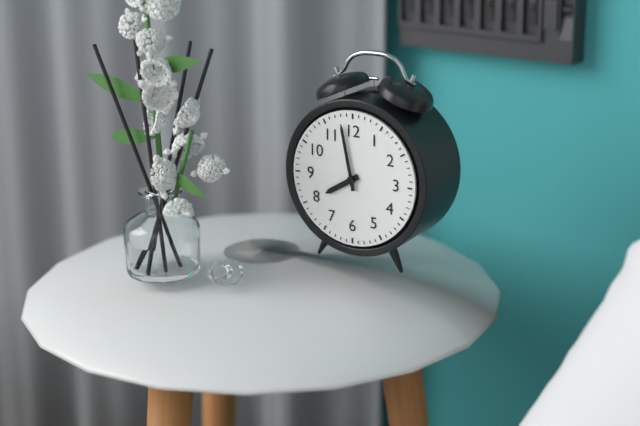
7:58
